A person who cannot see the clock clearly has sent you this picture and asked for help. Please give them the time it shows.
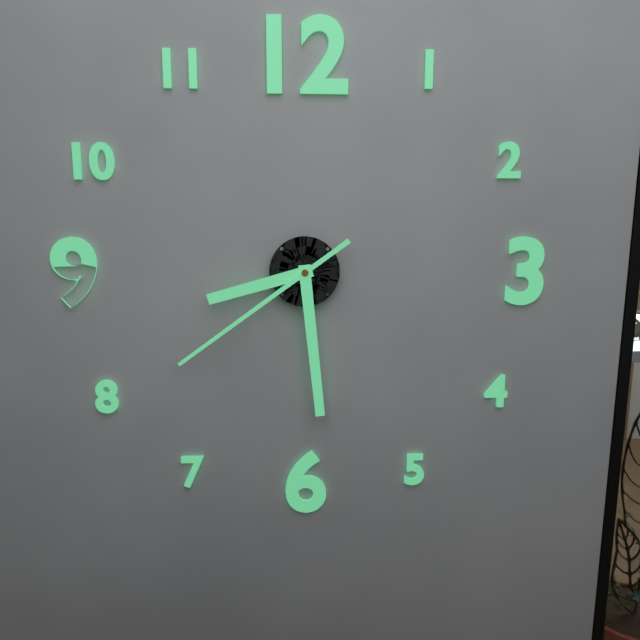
8:29:39
